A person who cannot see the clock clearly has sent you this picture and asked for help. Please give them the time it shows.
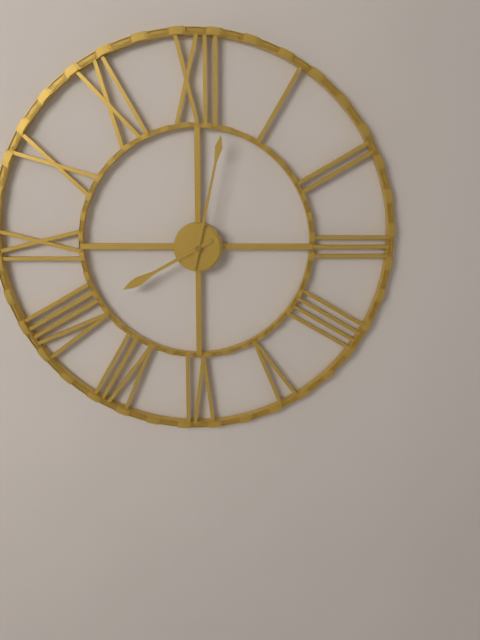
8:02
